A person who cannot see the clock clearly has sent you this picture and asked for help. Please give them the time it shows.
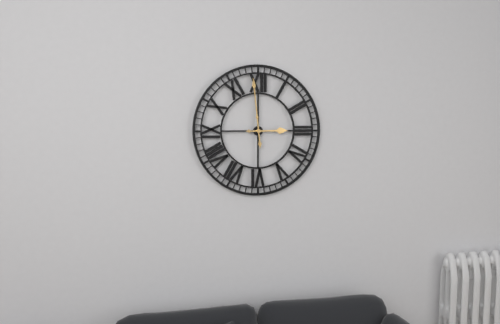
2:59
